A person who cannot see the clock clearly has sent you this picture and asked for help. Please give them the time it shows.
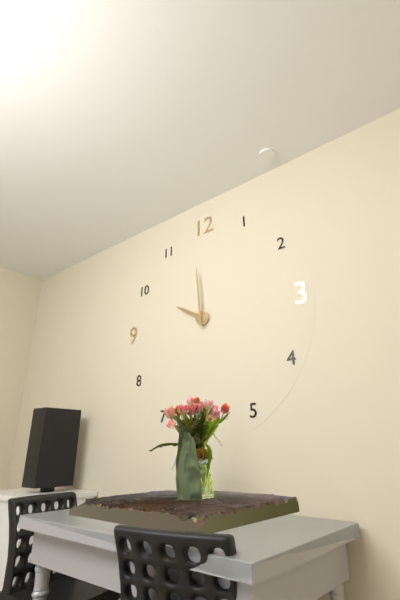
9:59
